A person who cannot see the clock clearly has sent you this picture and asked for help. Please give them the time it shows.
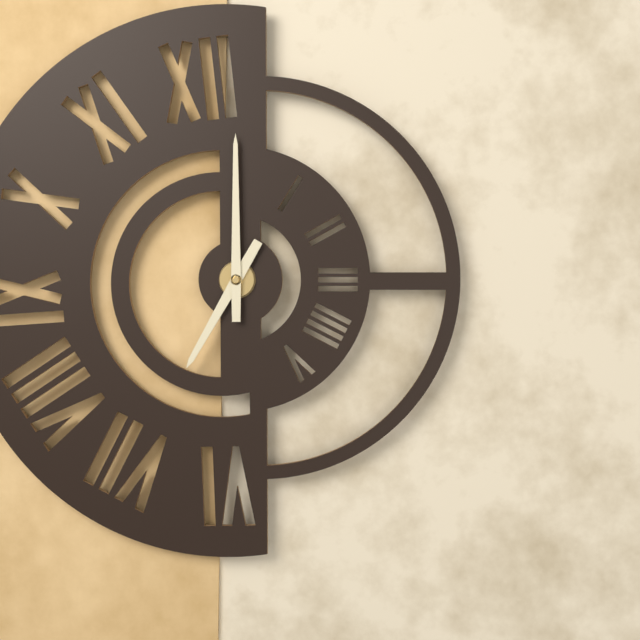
7:00
